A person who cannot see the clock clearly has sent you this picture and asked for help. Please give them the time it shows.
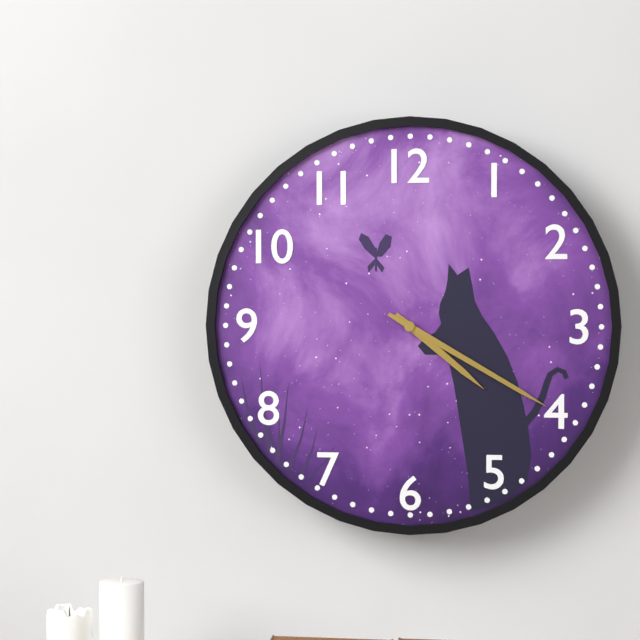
4:20
